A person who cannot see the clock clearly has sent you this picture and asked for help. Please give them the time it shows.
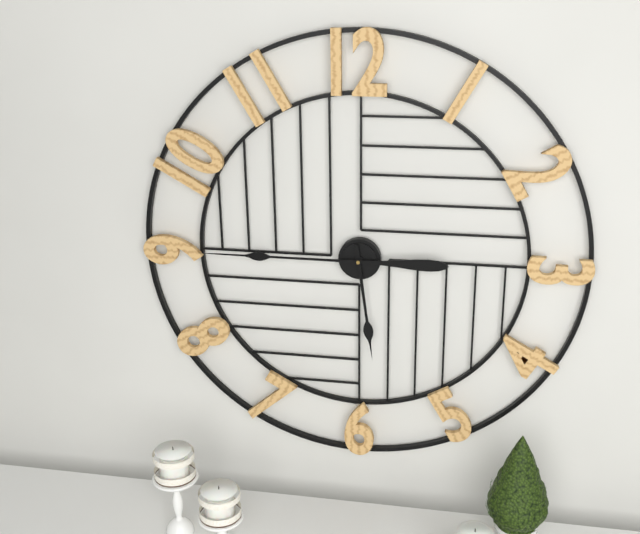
5:45
